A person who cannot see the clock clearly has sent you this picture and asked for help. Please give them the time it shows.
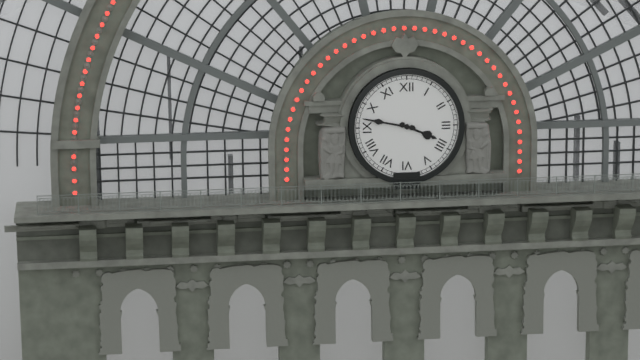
3:47
